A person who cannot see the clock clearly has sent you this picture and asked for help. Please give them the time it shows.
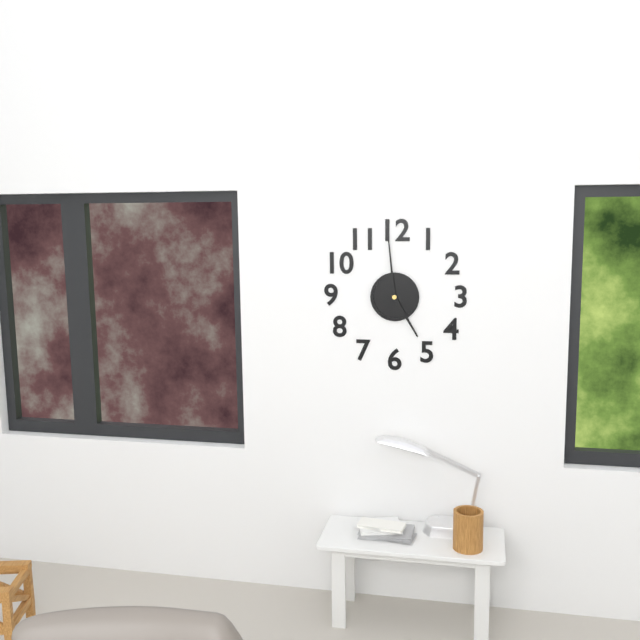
4:59
